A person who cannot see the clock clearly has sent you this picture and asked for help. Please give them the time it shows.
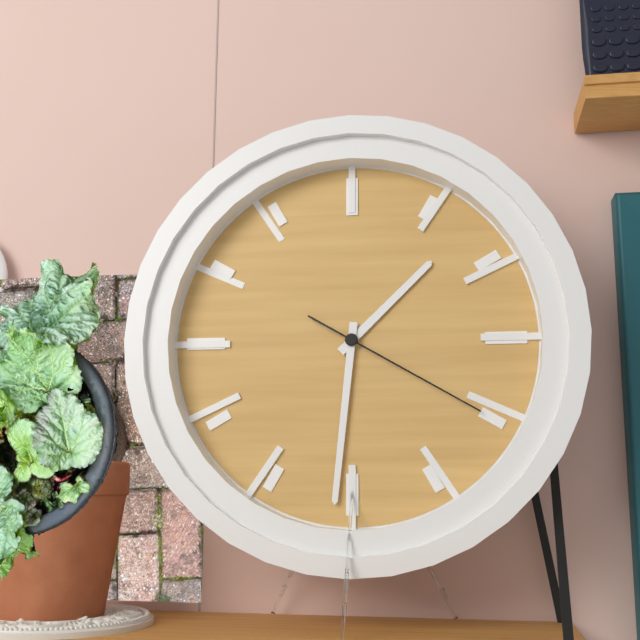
1:31:20
